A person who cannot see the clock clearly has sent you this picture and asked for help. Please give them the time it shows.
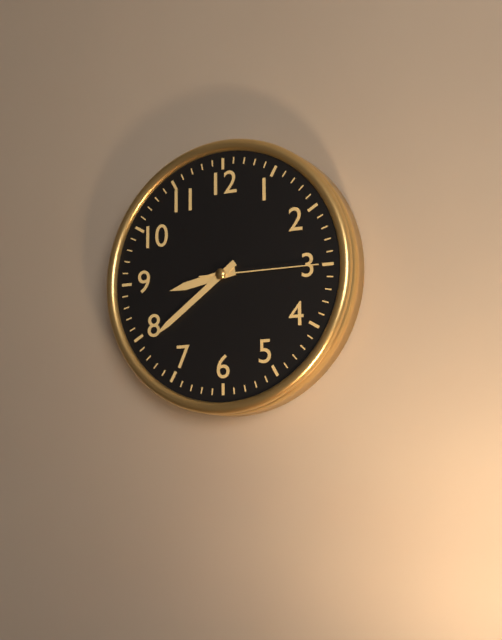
8:39:15
